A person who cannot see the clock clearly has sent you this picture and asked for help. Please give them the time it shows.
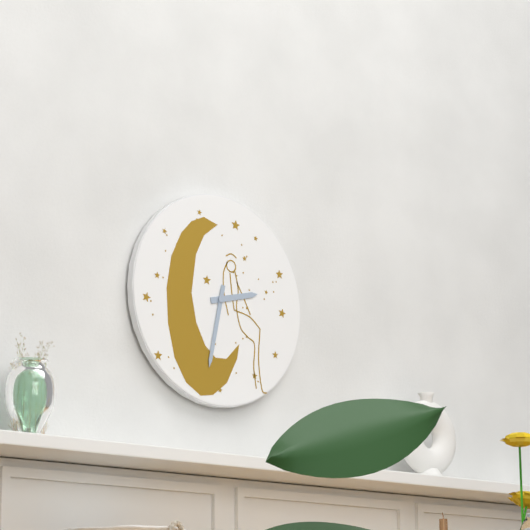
2:32
